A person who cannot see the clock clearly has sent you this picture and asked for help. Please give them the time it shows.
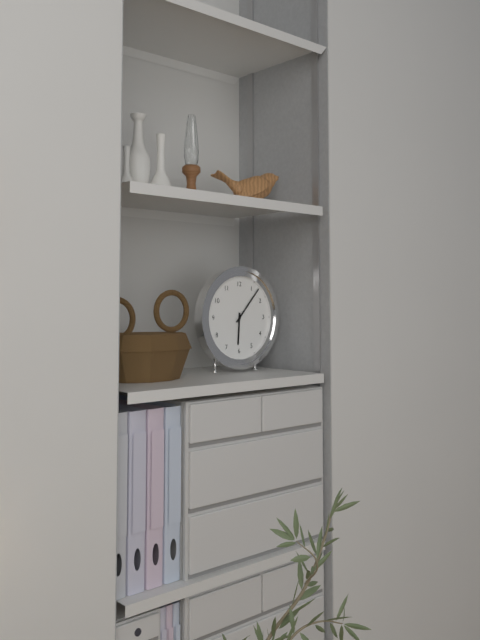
6:07
